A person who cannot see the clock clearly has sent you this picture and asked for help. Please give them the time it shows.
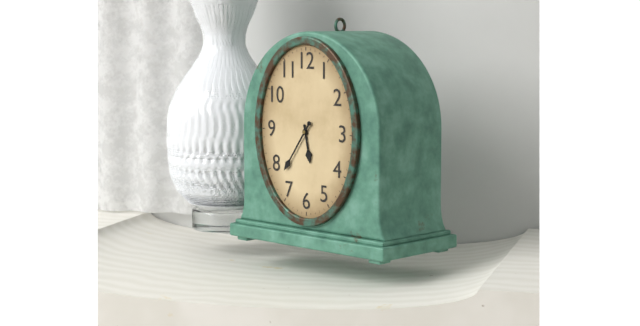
5:36
